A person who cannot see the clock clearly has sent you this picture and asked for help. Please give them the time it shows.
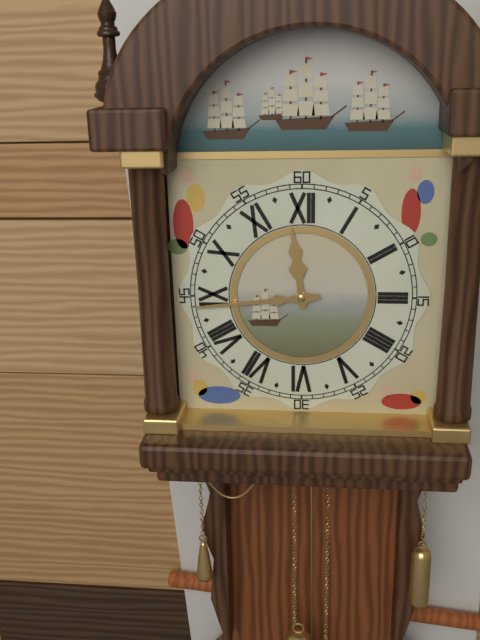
11:44
